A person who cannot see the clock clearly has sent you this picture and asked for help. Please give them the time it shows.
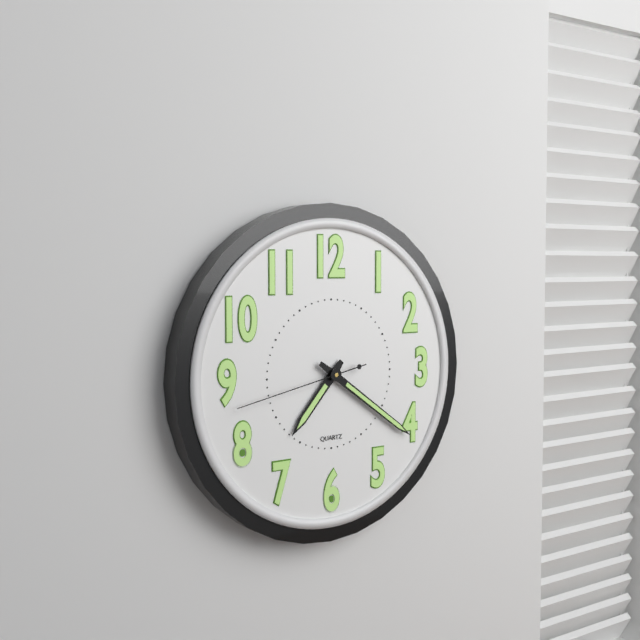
7:21:43
